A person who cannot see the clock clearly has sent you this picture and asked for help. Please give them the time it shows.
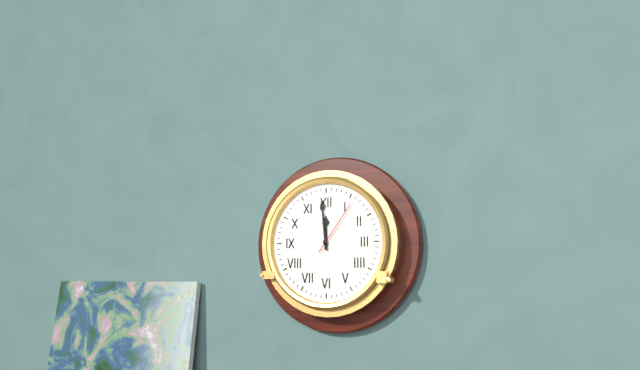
11:59:06
